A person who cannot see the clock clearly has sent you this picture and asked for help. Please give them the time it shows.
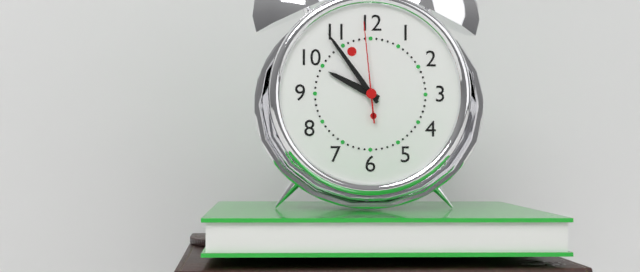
9:54:59
